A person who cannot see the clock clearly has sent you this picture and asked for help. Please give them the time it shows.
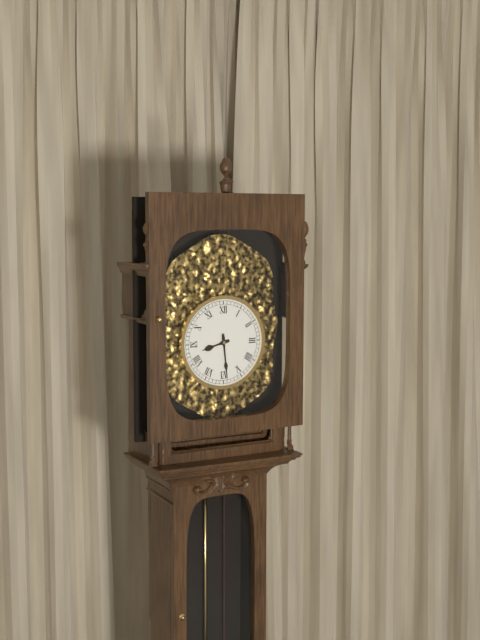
8:29
